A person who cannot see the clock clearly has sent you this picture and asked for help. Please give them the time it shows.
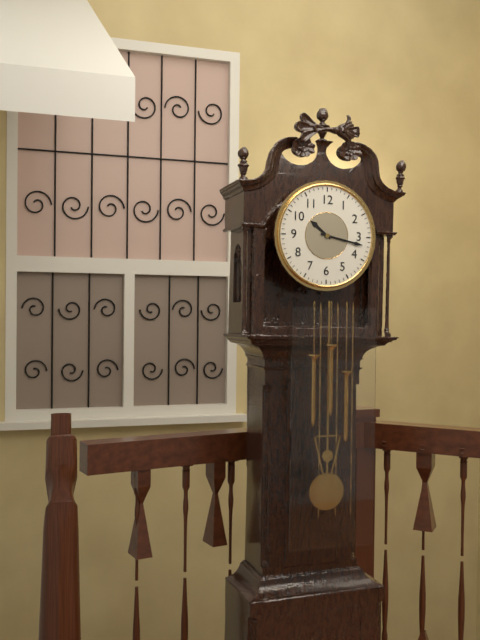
10:17
